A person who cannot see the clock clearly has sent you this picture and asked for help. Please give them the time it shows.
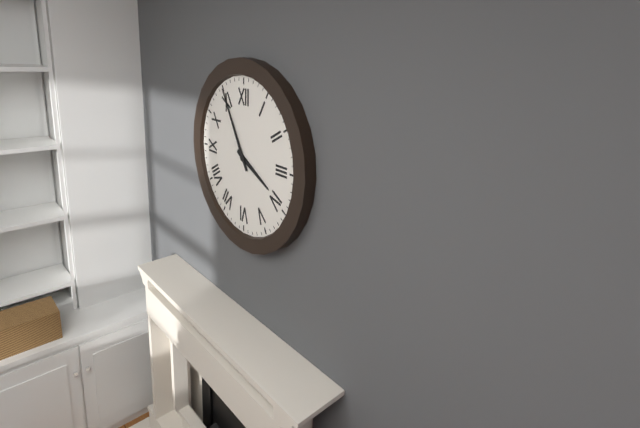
3:55
